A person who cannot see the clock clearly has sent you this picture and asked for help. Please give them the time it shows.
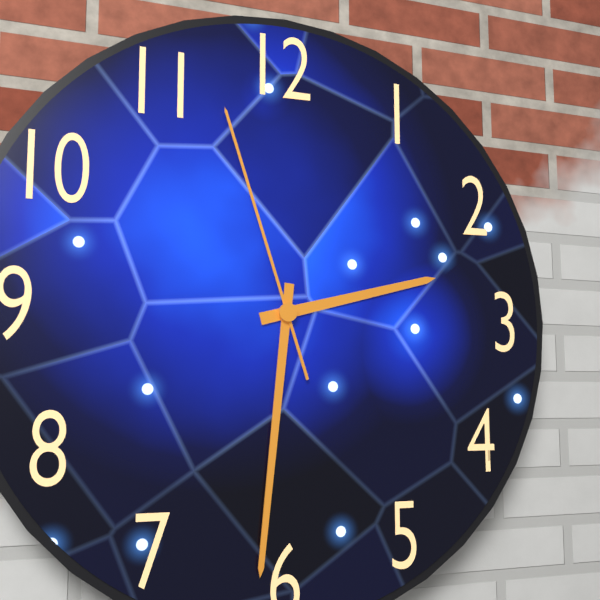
2:31:57
